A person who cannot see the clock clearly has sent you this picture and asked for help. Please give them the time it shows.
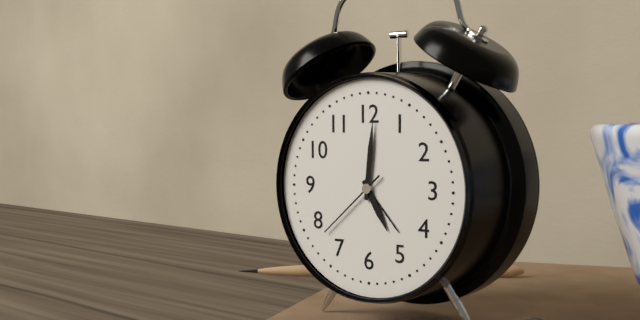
5:01:38
